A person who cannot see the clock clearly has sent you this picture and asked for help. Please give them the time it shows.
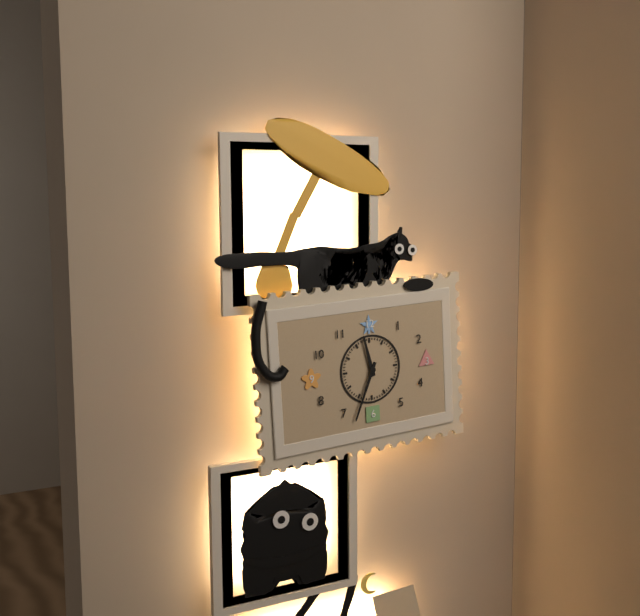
11:34
